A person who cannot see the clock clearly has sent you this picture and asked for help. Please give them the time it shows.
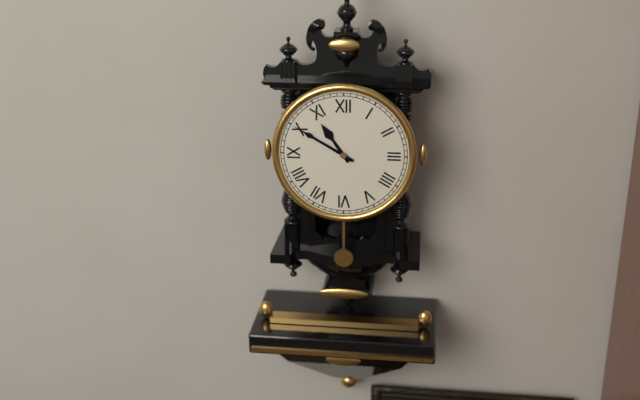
10:50
